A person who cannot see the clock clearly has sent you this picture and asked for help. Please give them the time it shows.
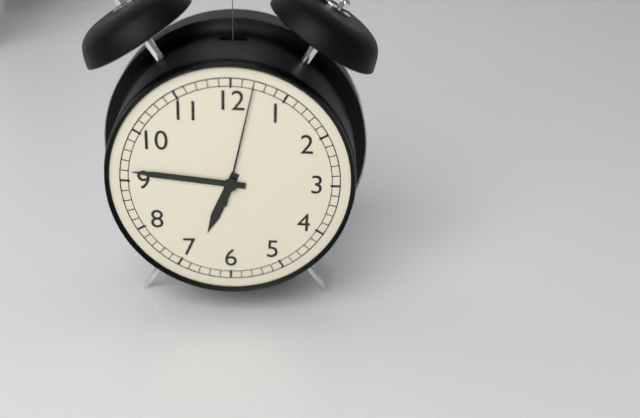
6:46:02
